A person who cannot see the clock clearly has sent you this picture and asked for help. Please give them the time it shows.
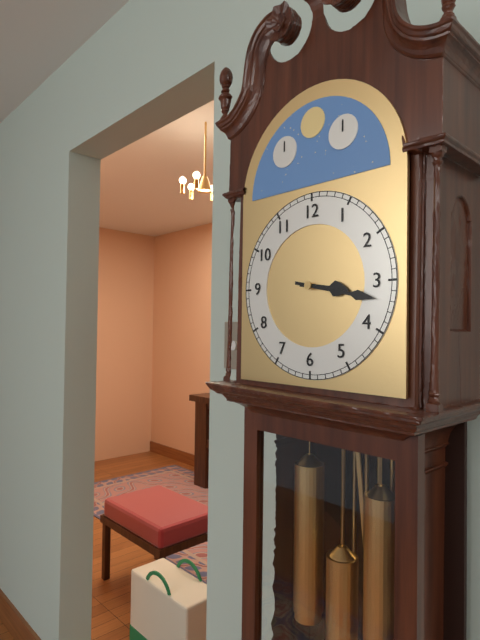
3:17
